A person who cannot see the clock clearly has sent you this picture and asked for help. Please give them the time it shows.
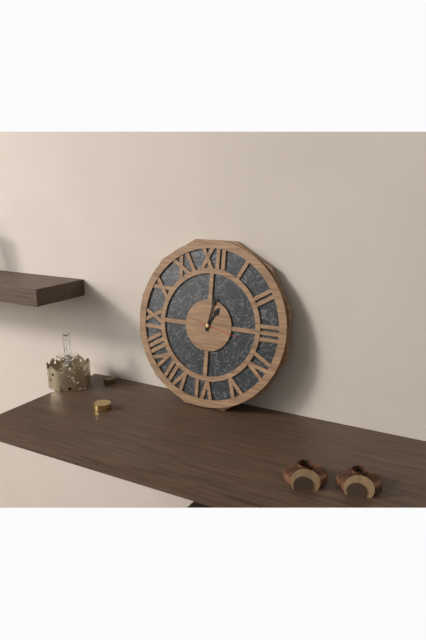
1:02
